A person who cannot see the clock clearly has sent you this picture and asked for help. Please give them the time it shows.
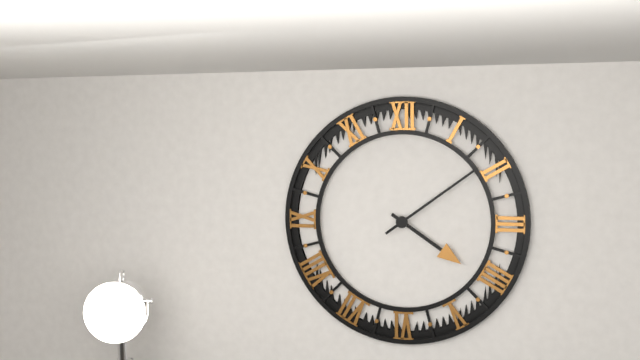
4:09
